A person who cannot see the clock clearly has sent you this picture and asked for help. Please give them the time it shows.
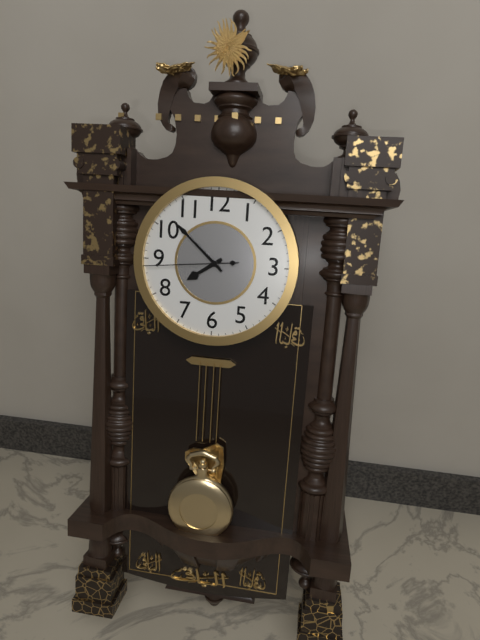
7:52:44
